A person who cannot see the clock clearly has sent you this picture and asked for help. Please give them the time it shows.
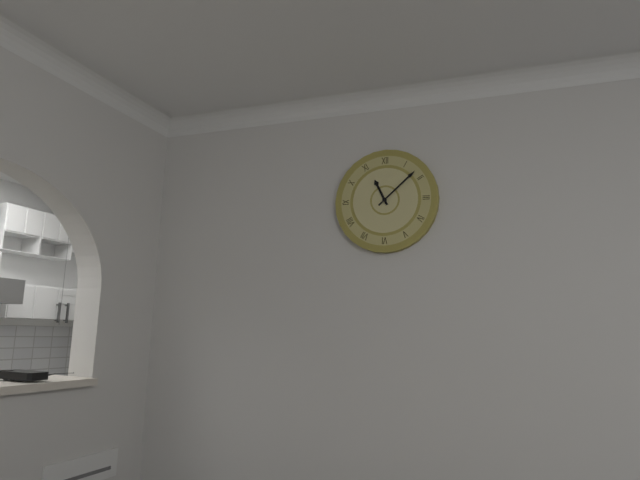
11:08
